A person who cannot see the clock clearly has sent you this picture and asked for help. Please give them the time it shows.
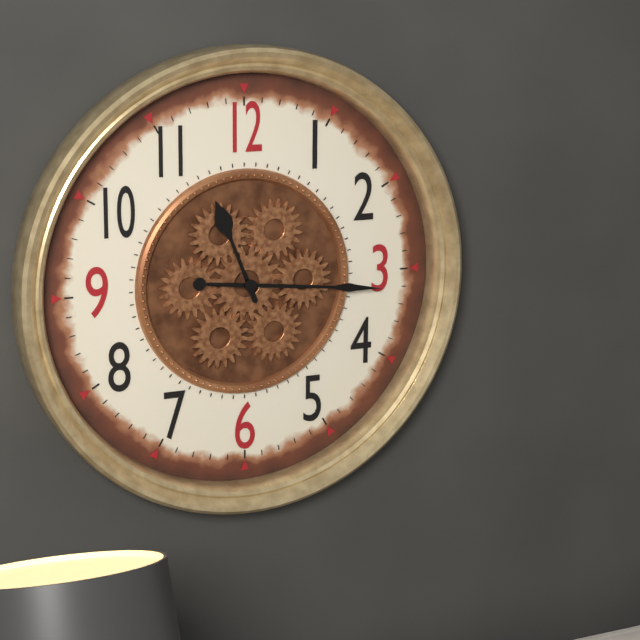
11:16
